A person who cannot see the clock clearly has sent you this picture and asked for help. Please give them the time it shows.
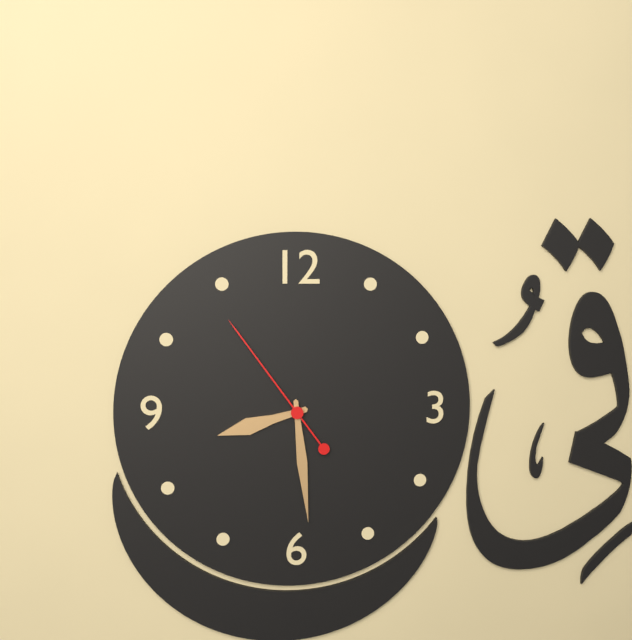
8:29:54
